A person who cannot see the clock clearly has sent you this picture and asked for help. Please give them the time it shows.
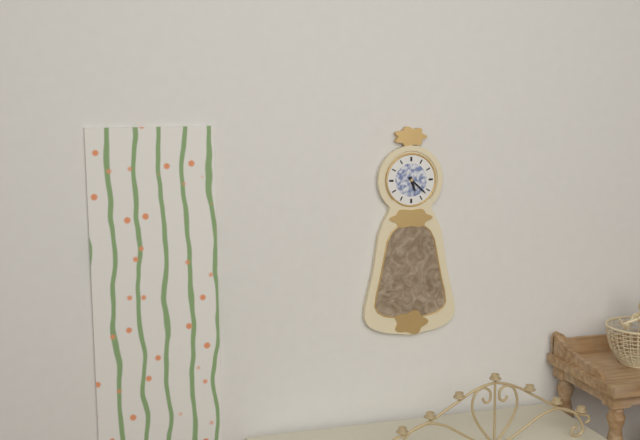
5:22
